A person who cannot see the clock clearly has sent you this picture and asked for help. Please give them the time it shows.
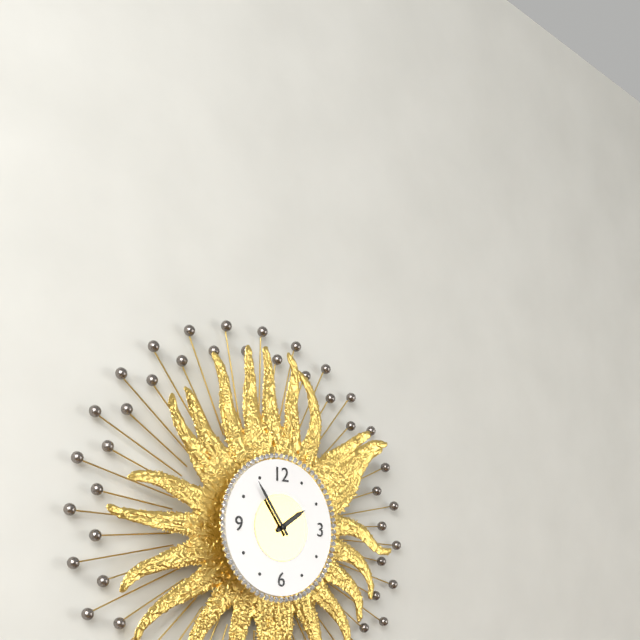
1:54
